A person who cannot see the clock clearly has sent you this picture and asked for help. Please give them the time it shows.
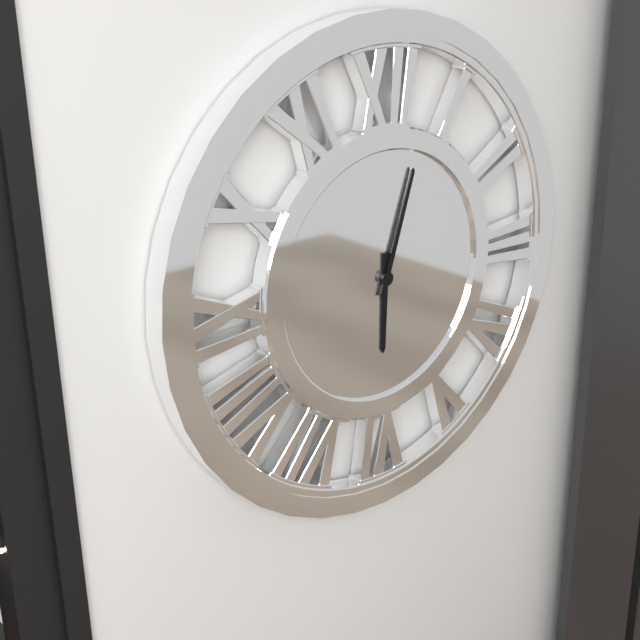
6:03
